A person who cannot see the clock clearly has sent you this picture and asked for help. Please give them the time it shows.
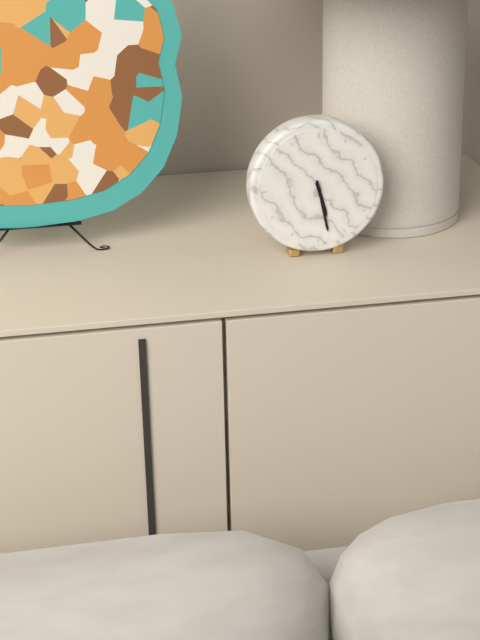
5:28
